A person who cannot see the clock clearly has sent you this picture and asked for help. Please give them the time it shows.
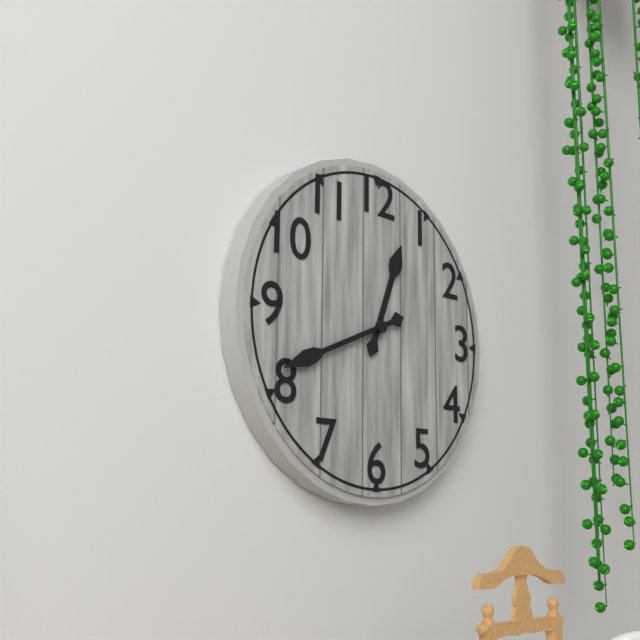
12:41
